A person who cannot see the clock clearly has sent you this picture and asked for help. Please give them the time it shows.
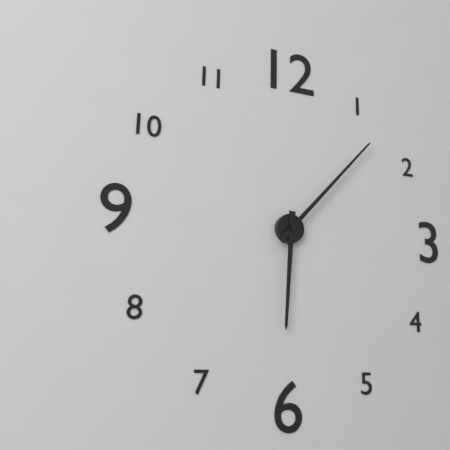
6:07
